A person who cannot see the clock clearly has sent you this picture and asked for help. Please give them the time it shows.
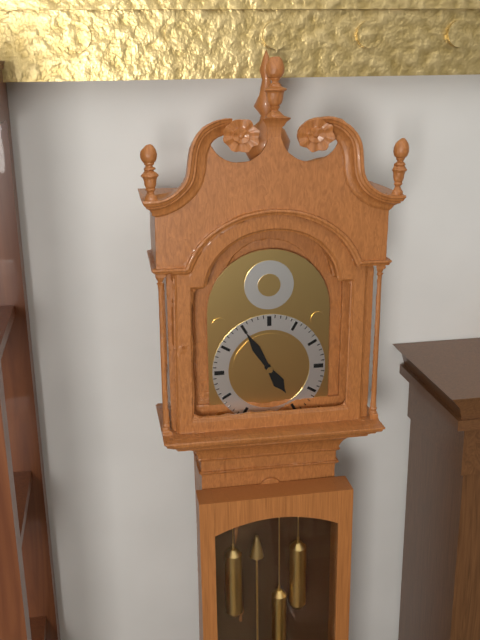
4:55
